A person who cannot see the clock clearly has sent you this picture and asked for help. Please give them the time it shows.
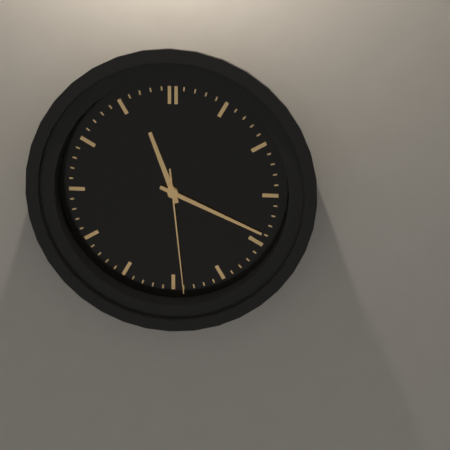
11:19:29
